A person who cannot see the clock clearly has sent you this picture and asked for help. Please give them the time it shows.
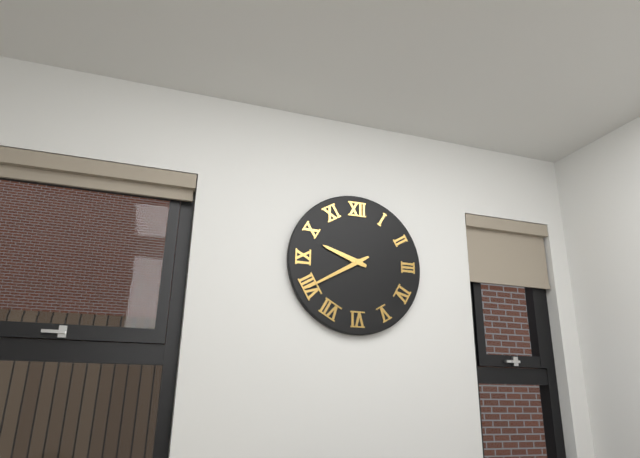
9:40
